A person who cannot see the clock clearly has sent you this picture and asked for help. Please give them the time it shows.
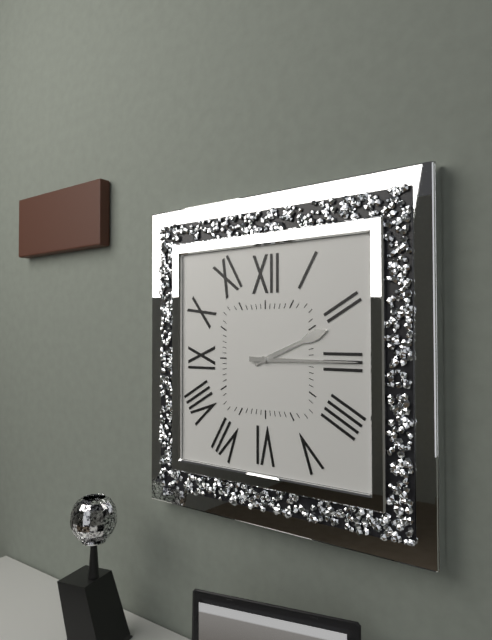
2:15
